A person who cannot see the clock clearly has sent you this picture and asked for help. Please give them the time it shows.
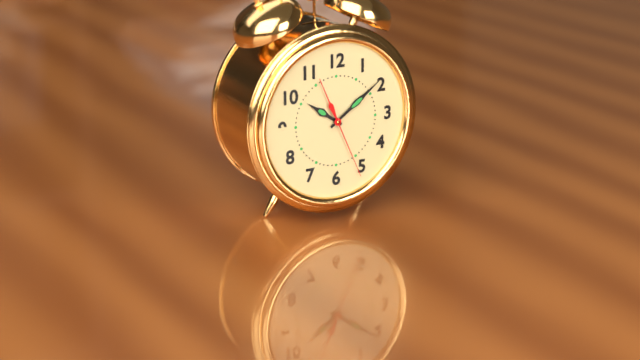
10:09:26
